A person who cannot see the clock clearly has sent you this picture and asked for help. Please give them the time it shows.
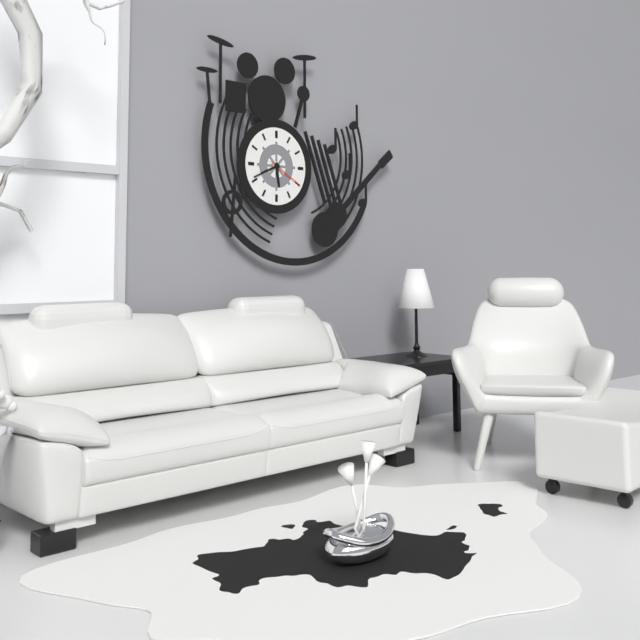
5:41
